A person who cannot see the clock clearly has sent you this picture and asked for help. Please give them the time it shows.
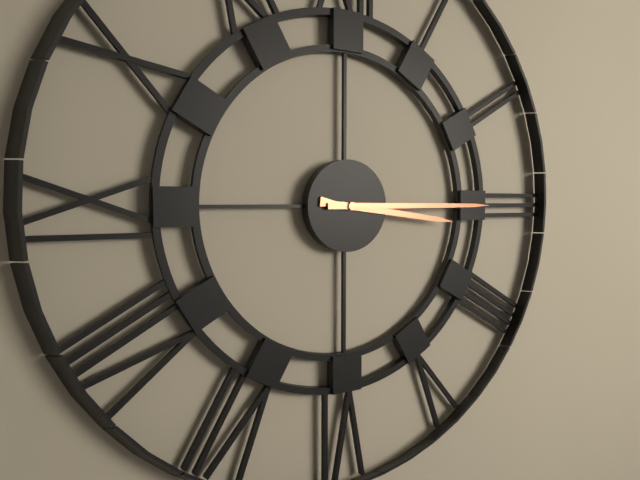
3:15
